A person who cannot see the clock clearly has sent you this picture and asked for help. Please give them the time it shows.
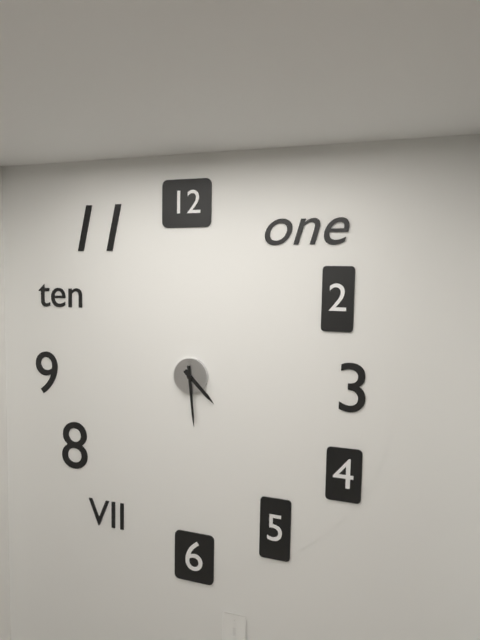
4:29
